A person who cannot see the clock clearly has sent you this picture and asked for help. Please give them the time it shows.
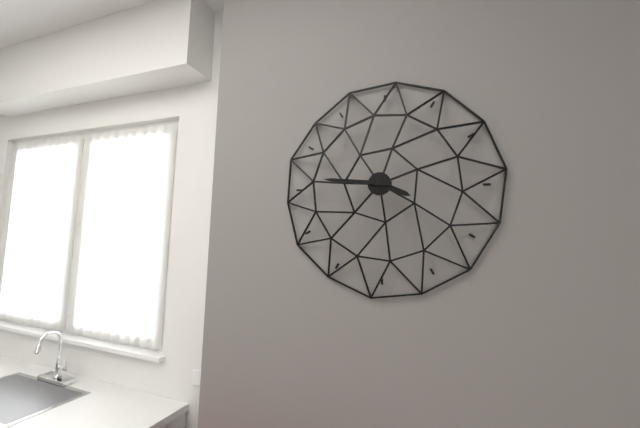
3:46
